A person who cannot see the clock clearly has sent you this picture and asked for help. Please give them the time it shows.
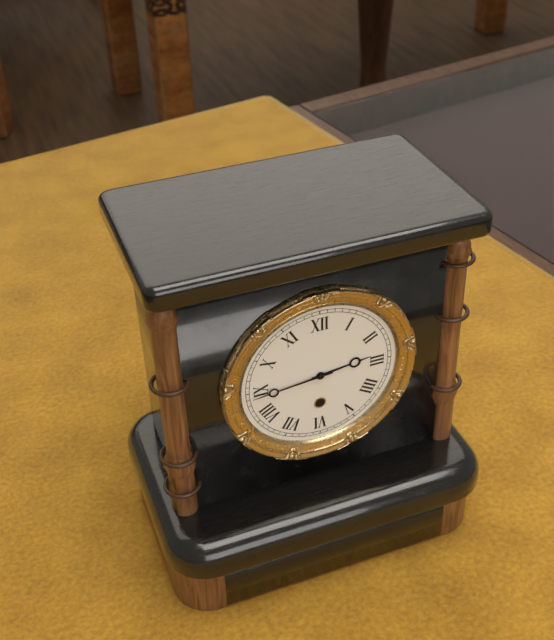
2:44
